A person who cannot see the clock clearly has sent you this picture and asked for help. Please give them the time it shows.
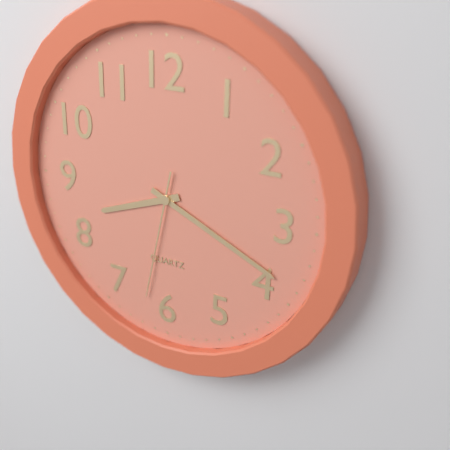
8:19:32
